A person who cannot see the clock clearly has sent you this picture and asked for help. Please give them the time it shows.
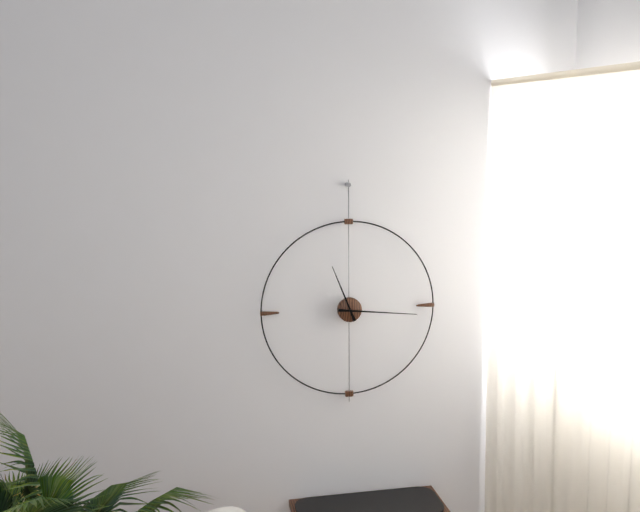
11:16
